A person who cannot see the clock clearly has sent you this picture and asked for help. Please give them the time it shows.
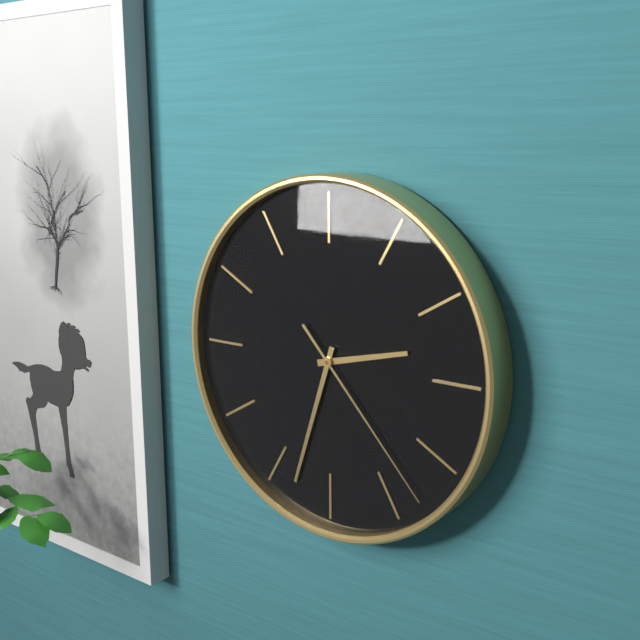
2:33:23
